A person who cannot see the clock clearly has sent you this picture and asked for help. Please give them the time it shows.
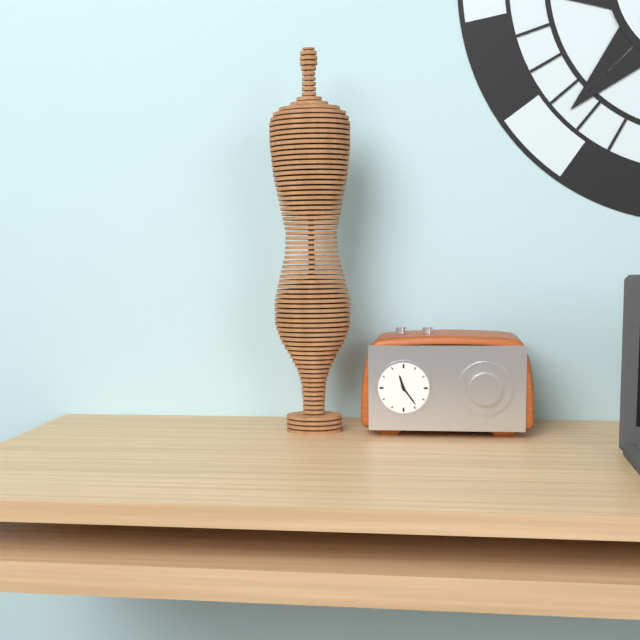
11:24
